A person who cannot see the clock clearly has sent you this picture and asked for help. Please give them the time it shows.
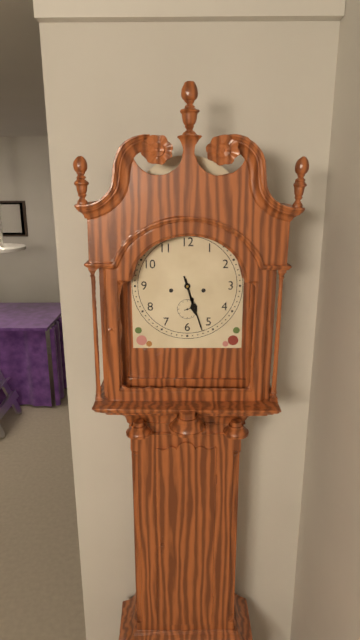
5:27
